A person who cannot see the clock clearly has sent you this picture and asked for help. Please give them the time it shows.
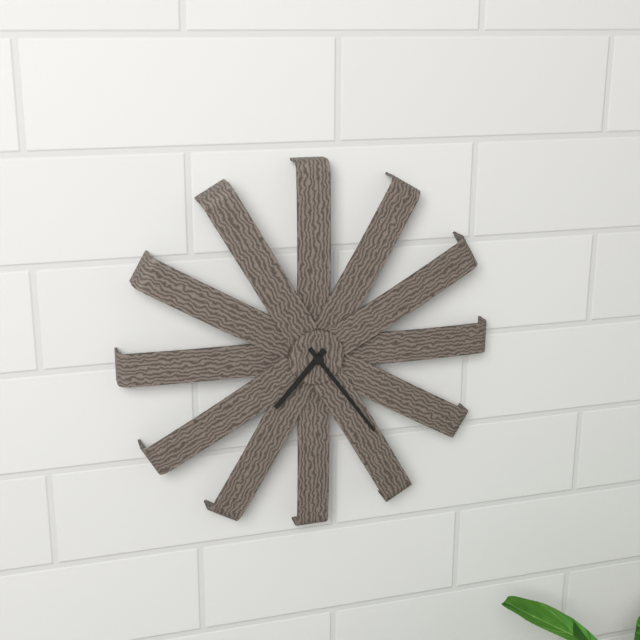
7:24
